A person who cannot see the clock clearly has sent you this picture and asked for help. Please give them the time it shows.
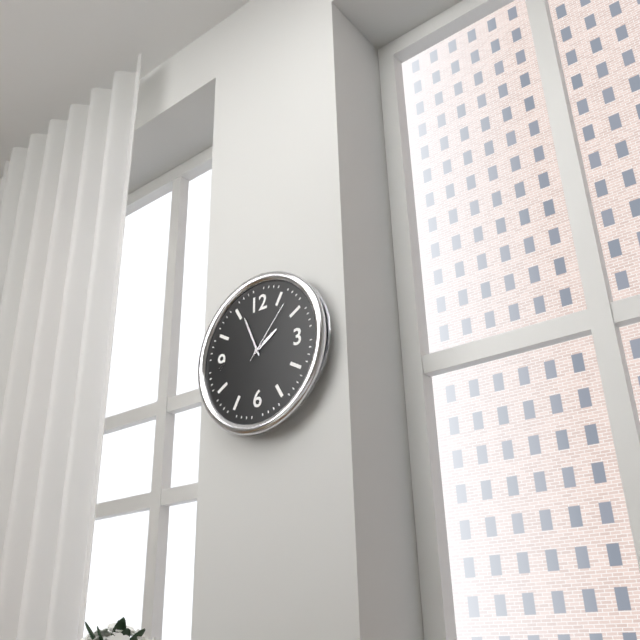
1:56:07
